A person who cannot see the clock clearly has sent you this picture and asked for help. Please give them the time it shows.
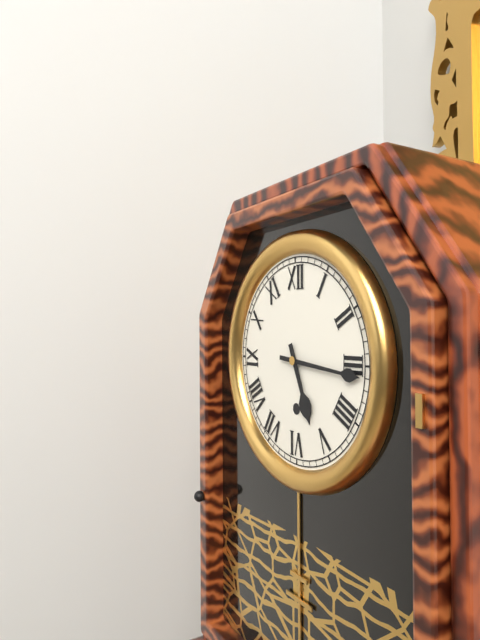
5:16
